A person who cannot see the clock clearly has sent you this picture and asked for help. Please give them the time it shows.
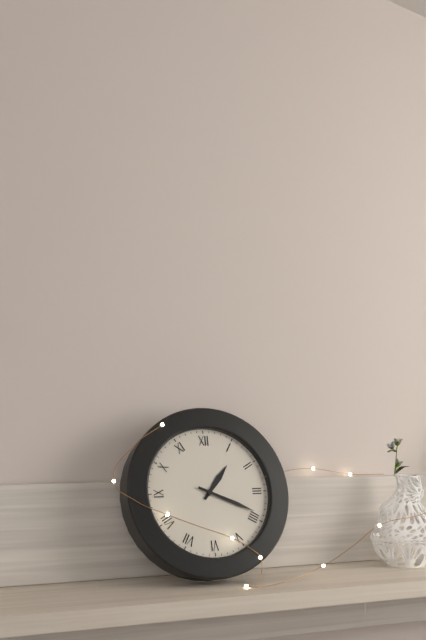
1:19
